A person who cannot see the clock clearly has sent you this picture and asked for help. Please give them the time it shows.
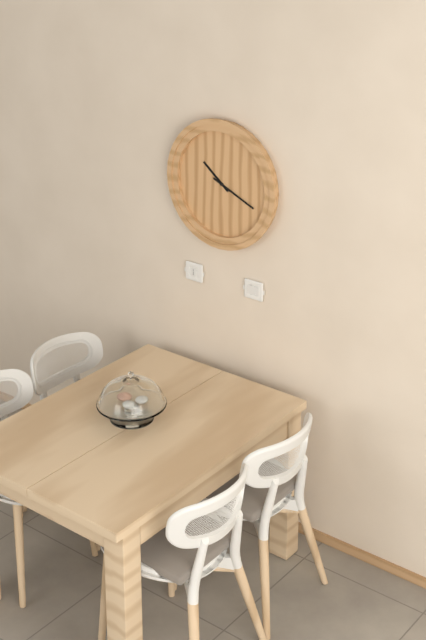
10:19
